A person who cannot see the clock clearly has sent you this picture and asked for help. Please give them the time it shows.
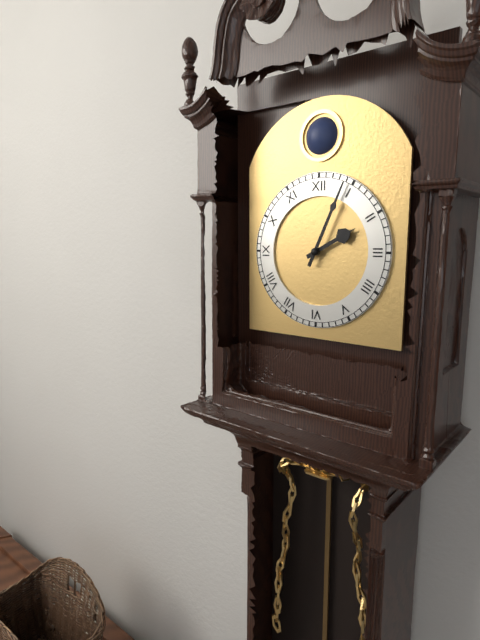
2:04
